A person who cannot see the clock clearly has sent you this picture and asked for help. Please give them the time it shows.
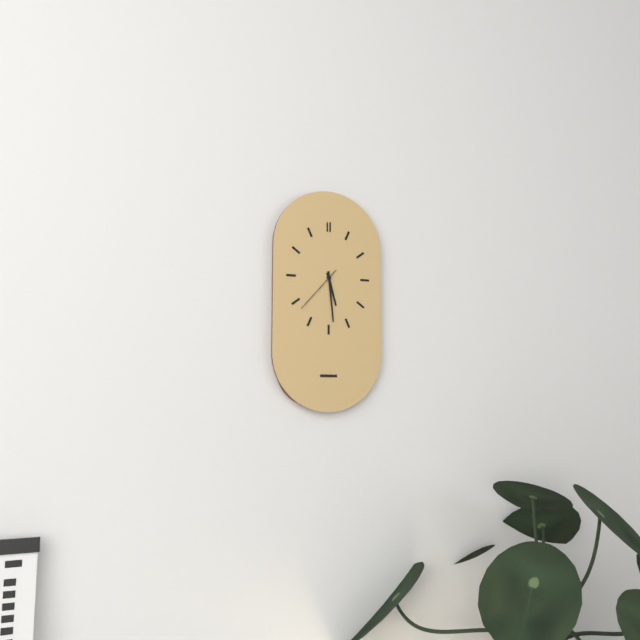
5:29:37
